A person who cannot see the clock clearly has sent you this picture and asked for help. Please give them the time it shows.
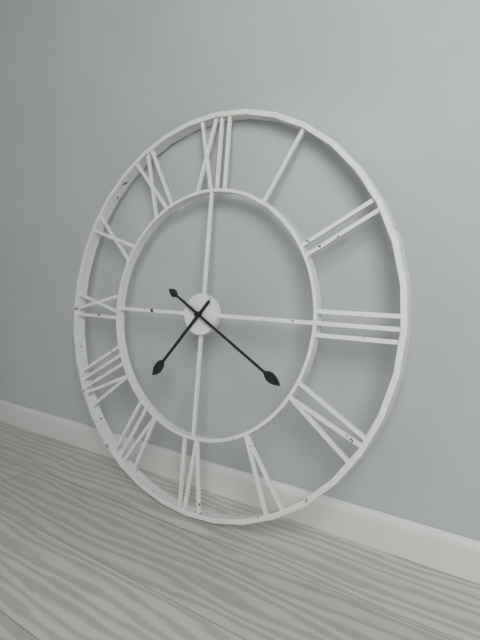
7:20
